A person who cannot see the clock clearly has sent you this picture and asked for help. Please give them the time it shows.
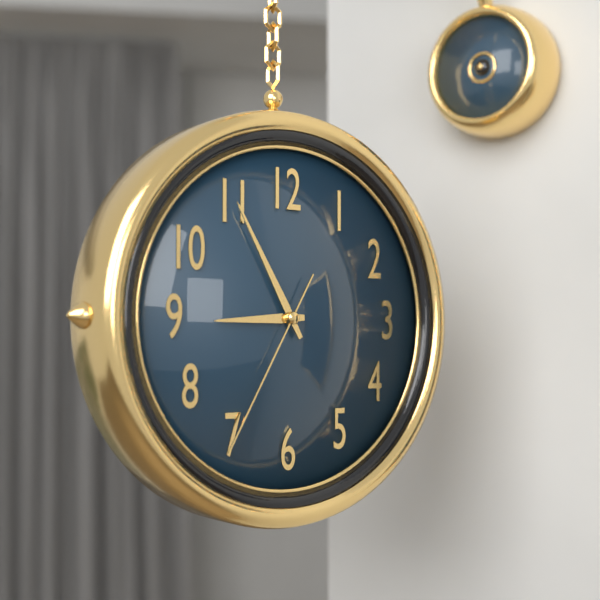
8:55:35
